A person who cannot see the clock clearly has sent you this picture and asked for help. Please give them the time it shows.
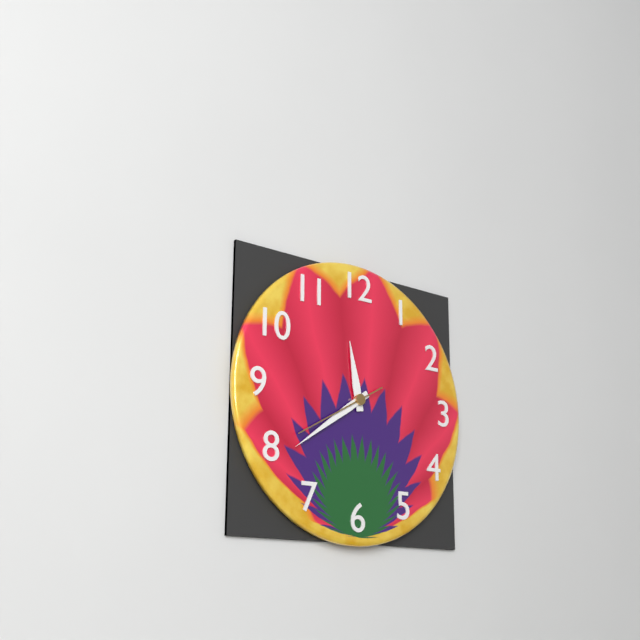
11:39:40
